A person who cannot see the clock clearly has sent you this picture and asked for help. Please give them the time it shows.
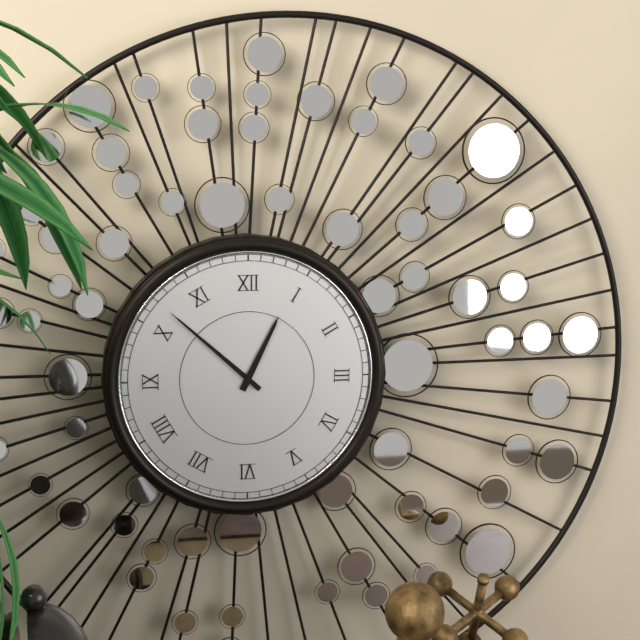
12:52
